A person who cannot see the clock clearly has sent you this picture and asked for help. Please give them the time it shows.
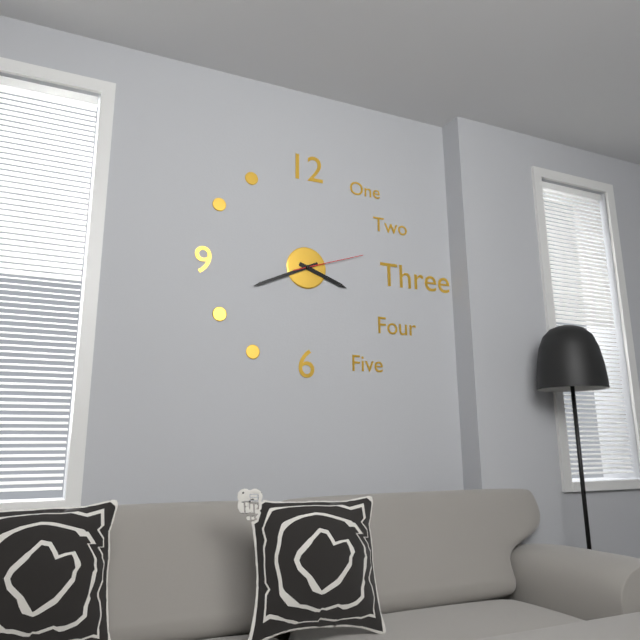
3:41:12
